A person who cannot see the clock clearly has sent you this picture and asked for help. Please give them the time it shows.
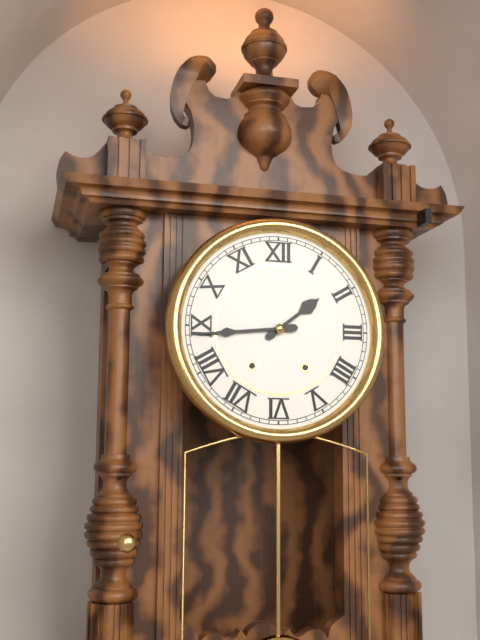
1:44
